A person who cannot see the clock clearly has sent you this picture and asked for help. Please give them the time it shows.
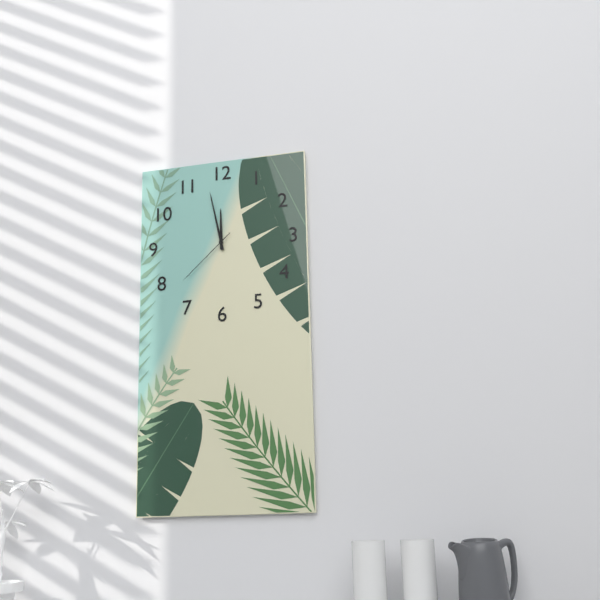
11:58:38
